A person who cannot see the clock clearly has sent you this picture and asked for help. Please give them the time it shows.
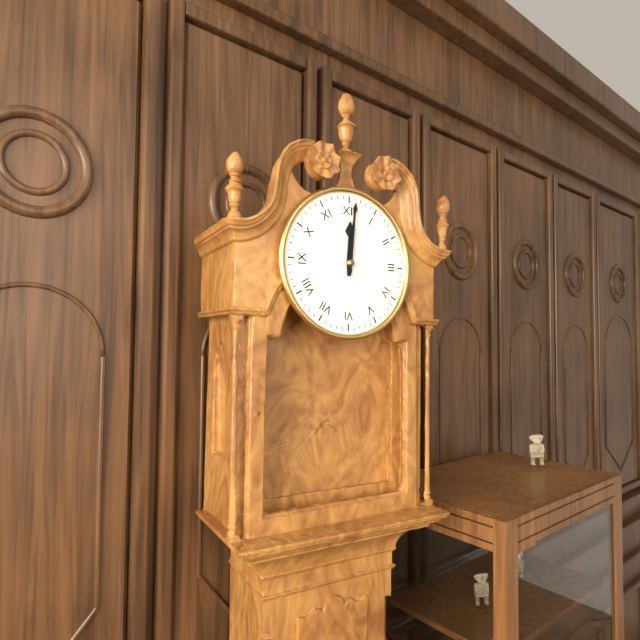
12:01
